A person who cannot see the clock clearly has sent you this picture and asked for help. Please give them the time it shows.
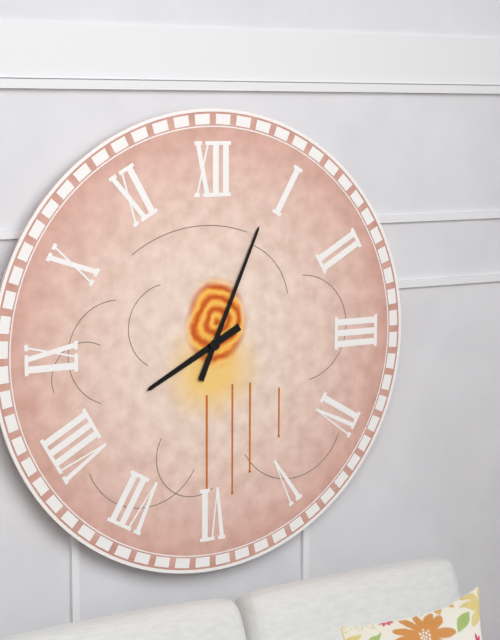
8:04
